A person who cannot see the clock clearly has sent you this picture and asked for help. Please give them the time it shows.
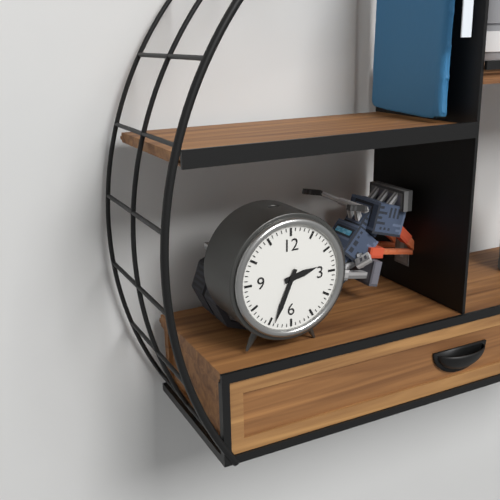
2:34
